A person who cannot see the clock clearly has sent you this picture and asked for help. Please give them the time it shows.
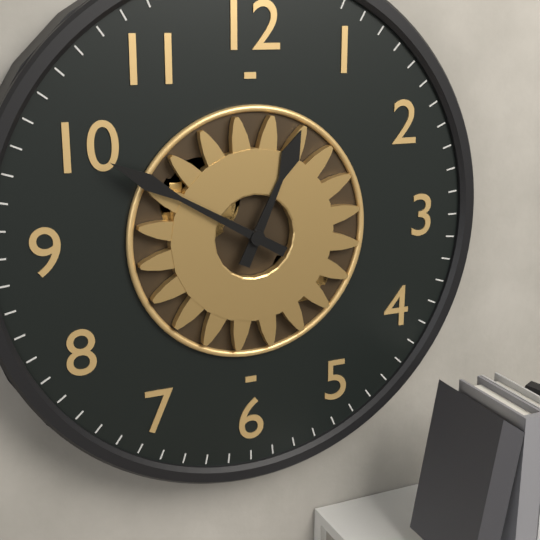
12:50
